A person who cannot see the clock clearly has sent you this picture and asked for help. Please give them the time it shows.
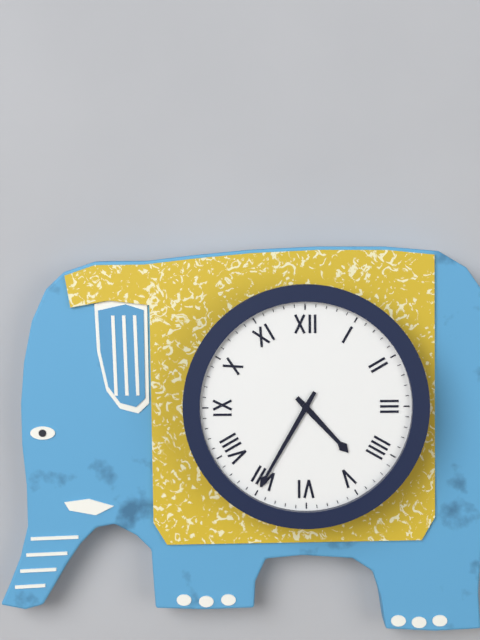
4:35
